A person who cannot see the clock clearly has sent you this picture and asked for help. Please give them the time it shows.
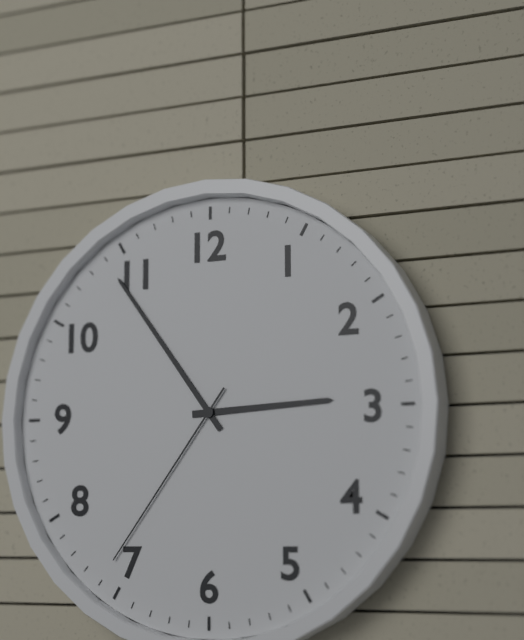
2:54:36
